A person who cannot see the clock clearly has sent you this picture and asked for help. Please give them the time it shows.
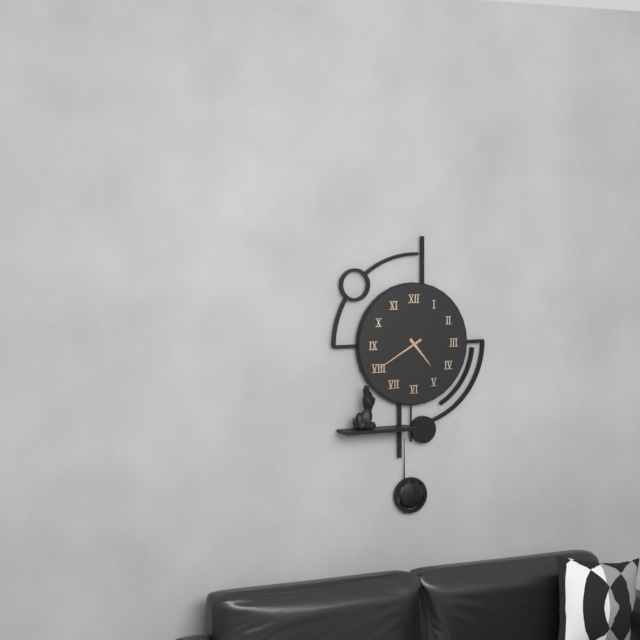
4:40
